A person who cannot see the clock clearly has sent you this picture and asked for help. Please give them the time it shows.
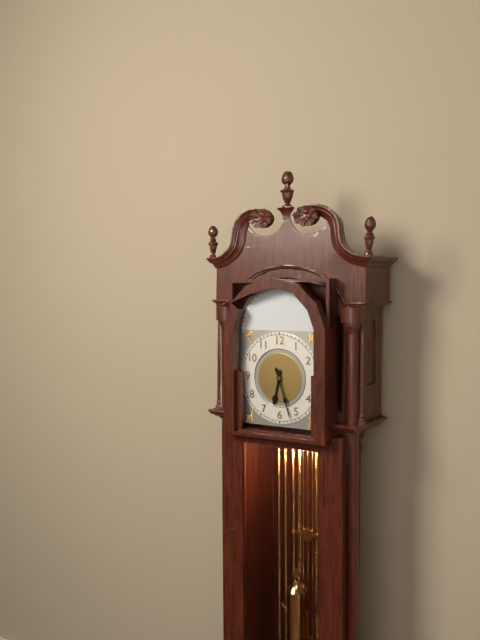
6:27
